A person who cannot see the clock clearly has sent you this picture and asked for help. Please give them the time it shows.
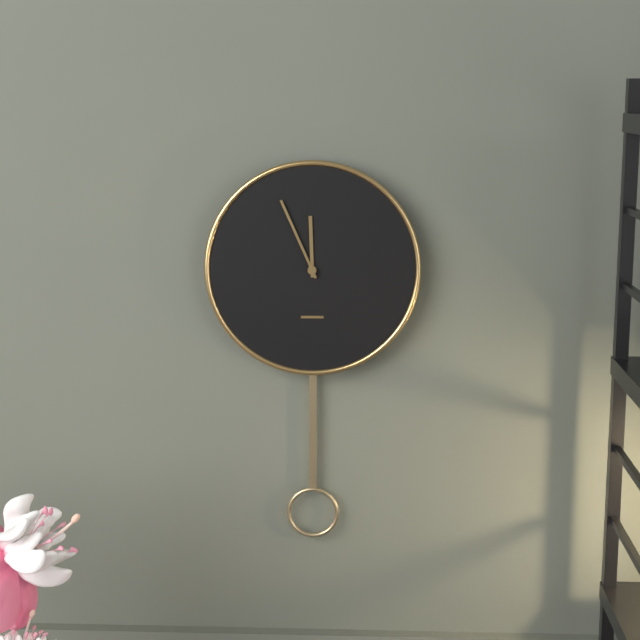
11:56
